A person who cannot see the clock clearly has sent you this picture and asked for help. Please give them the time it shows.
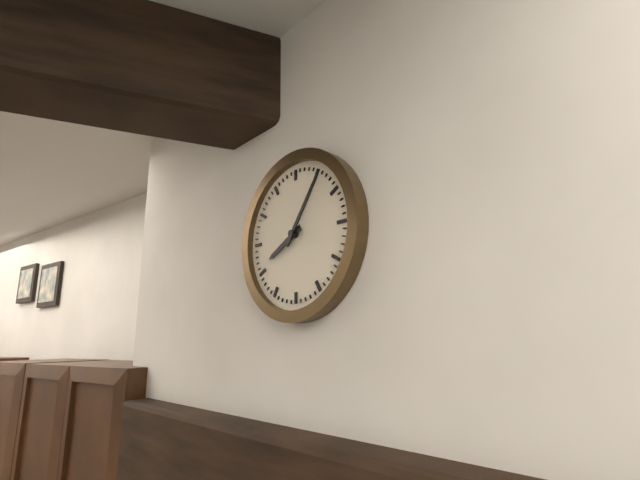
8:06
